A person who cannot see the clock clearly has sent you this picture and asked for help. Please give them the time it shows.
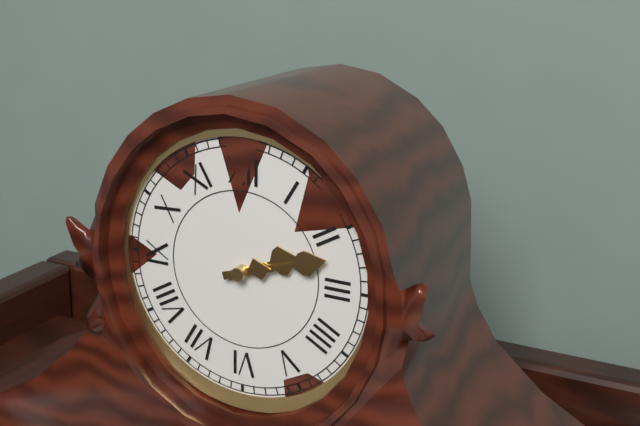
2:12
